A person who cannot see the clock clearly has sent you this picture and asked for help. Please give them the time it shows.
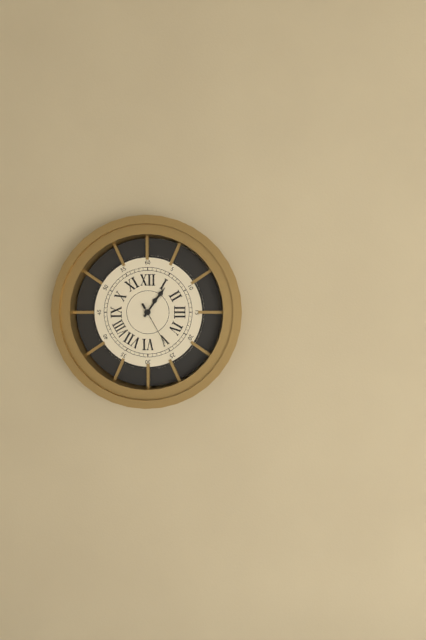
1:06
